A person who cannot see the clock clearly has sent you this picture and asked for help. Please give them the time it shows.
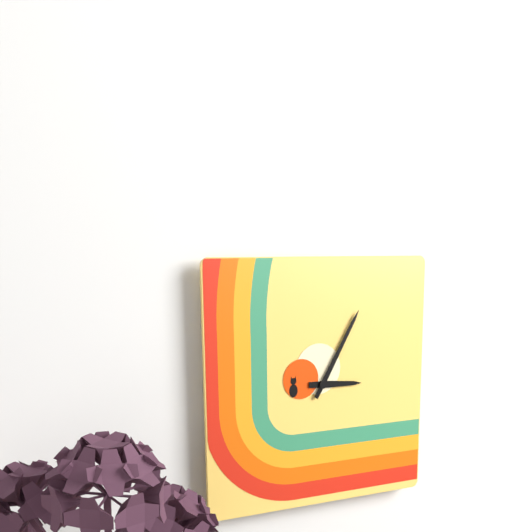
3:05
